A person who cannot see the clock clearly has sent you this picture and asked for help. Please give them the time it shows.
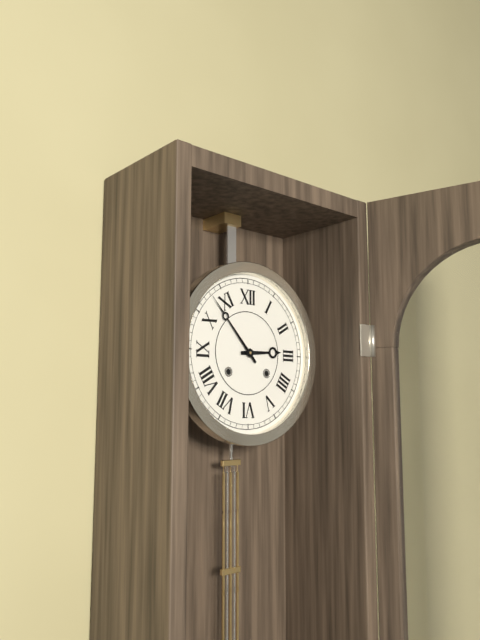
2:53
